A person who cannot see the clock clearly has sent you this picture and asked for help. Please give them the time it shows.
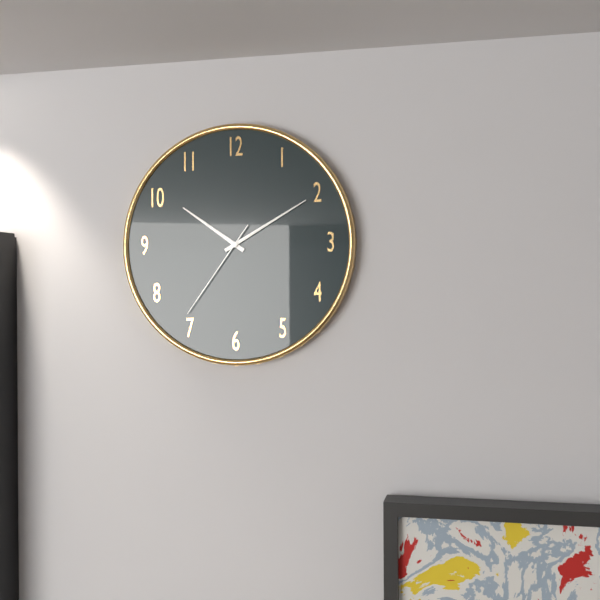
10:10:36
